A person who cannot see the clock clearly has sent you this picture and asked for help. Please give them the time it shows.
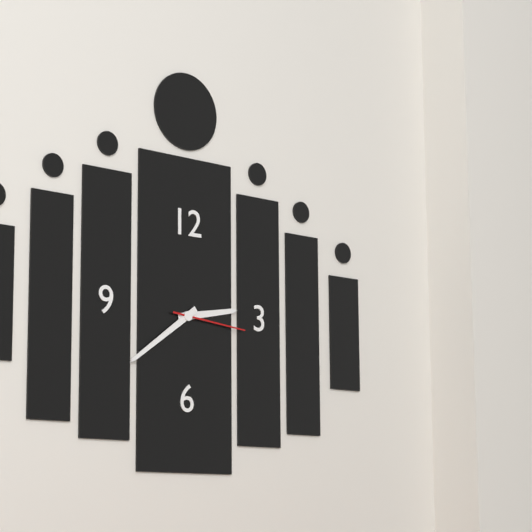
2:39:16
